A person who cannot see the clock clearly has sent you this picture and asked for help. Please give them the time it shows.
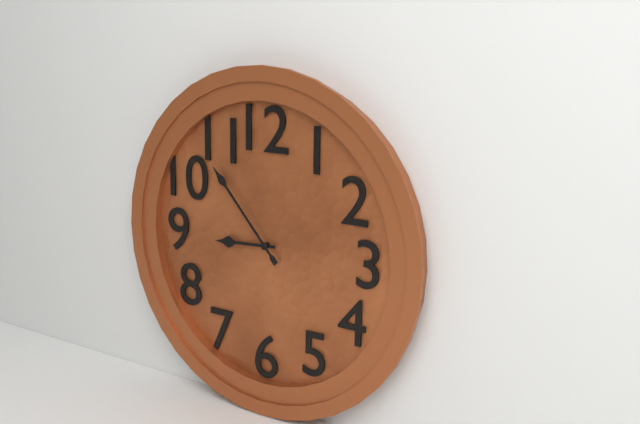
8:53
